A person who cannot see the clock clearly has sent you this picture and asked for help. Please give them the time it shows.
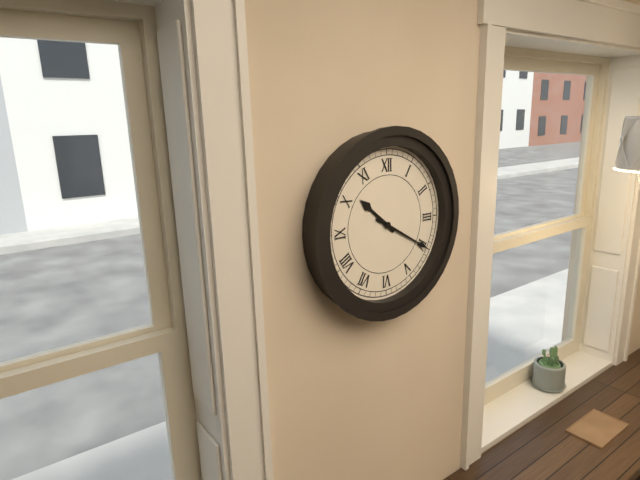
10:20
